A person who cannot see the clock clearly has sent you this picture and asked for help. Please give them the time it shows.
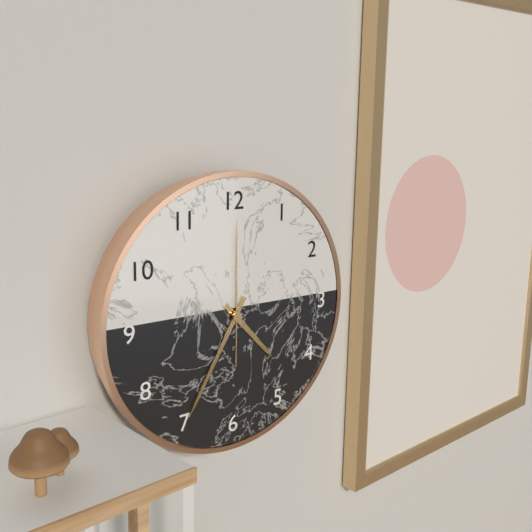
4:35:00
